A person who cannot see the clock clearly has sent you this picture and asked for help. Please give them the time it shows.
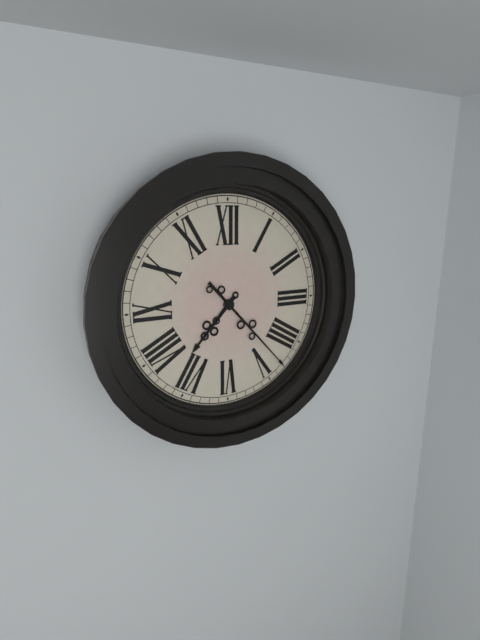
7:23
